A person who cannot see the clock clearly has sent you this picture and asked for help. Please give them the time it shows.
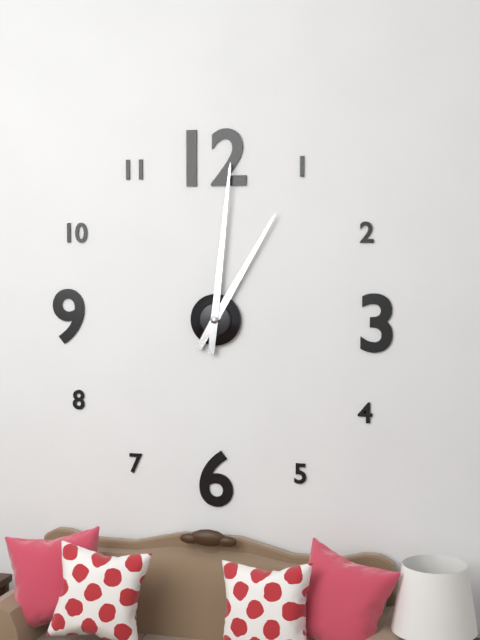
1:01
